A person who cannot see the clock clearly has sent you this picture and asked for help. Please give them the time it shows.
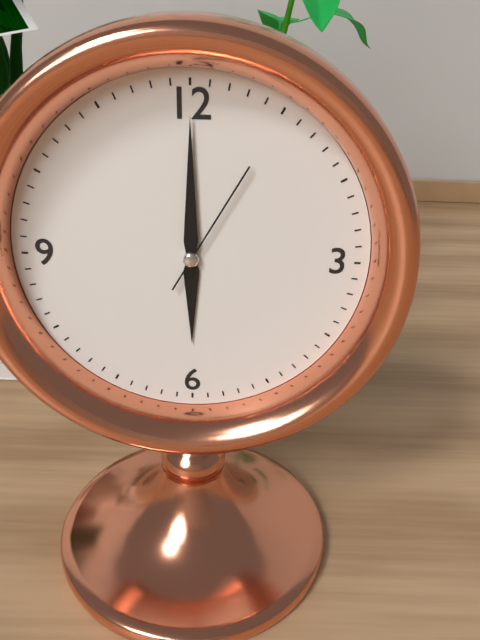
6:00:05
